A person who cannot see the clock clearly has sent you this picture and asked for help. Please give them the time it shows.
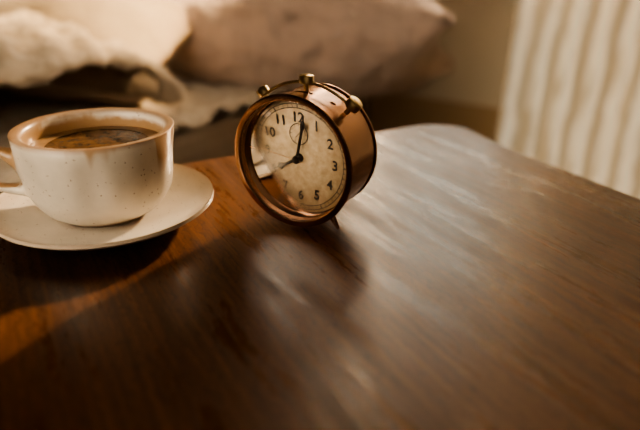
8:02:46
